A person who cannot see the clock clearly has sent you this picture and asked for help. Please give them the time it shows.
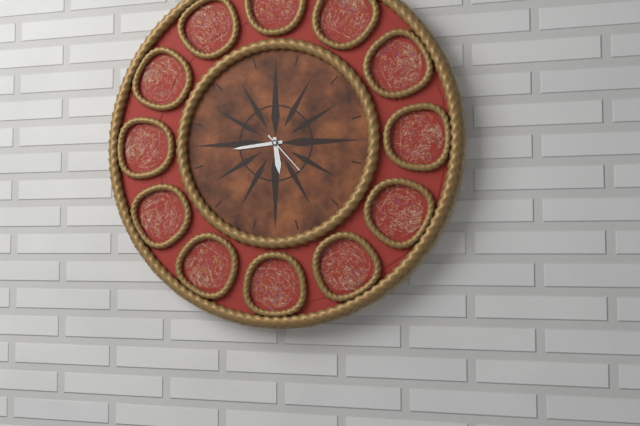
5:44
